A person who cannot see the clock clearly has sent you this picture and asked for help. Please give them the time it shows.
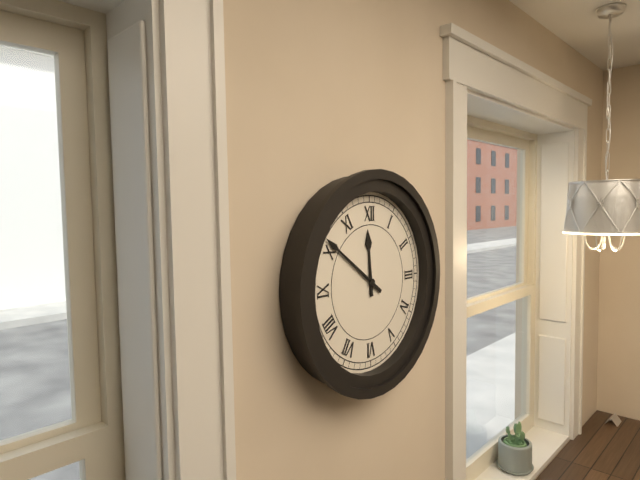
11:51
